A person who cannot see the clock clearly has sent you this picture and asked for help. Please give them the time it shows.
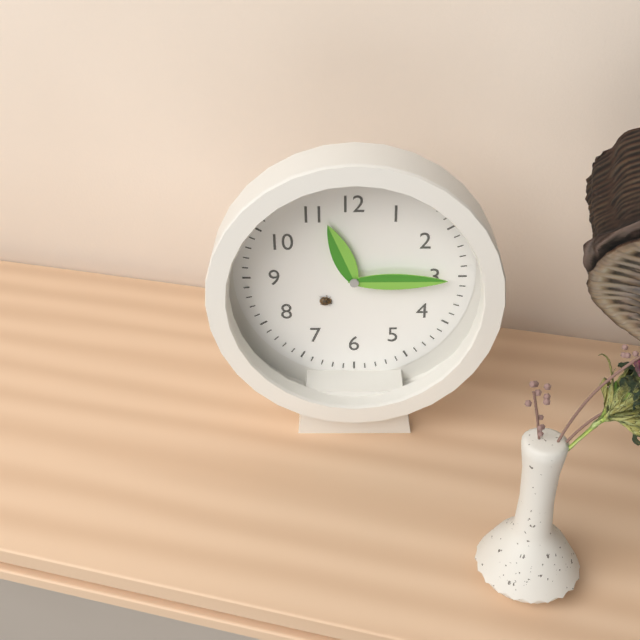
11:15
